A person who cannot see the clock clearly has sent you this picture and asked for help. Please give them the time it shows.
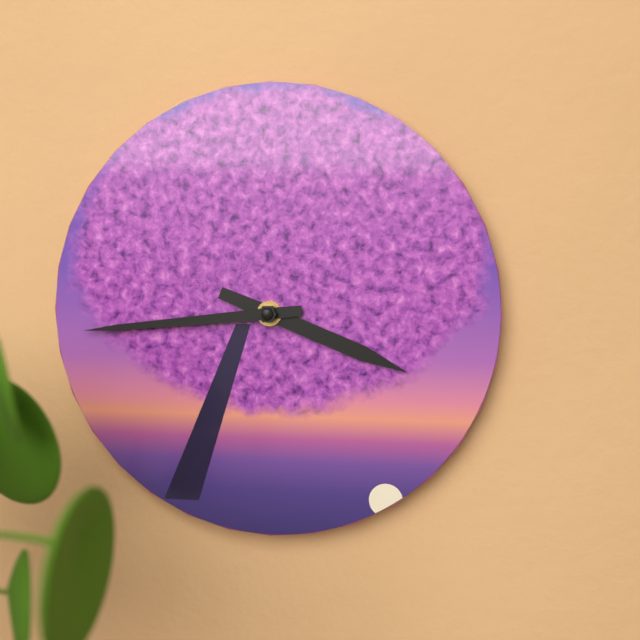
3:44
